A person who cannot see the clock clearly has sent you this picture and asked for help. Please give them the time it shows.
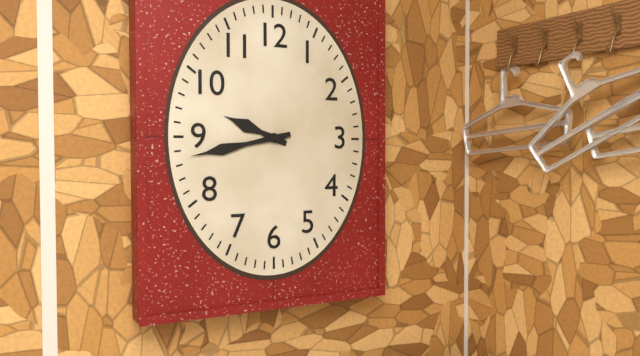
9:43
